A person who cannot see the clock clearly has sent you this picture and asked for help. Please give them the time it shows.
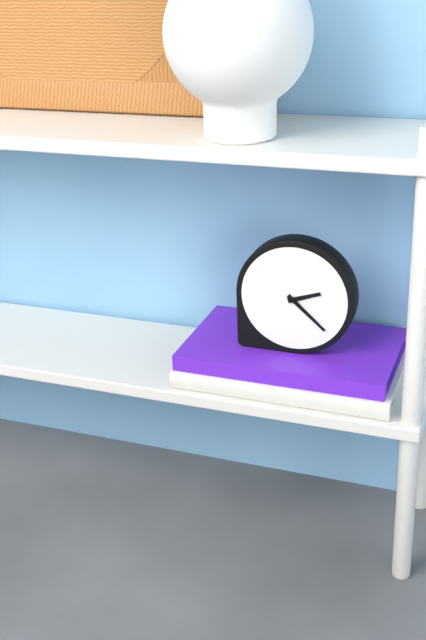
2:22
